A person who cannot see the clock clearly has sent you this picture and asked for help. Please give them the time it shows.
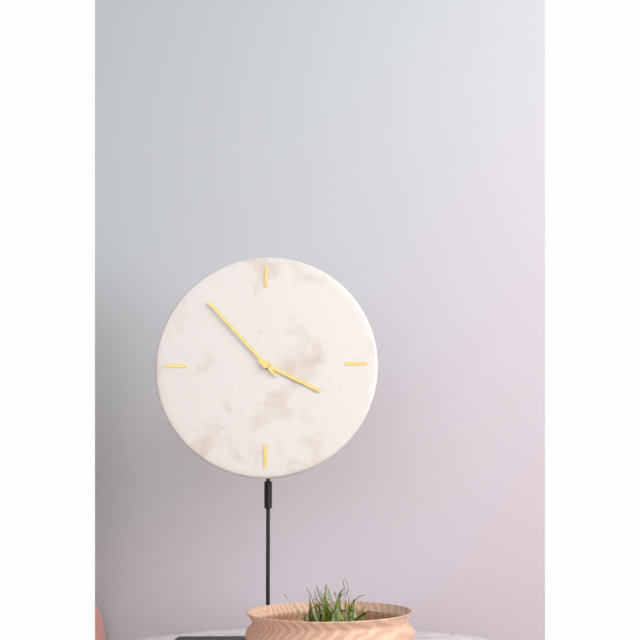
3:53
